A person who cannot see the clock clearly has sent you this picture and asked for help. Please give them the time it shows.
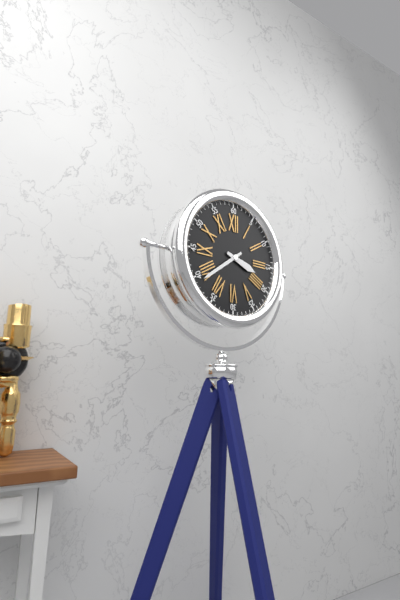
3:39
